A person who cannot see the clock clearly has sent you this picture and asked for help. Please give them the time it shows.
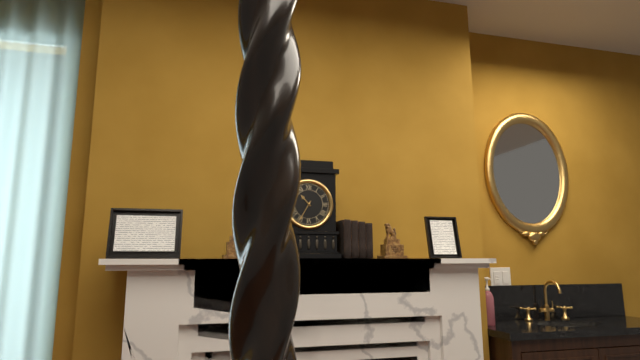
10:35
